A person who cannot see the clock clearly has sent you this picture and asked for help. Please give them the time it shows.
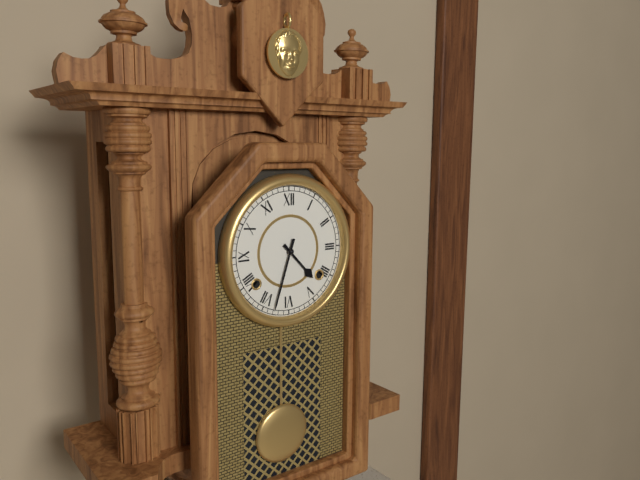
4:33
